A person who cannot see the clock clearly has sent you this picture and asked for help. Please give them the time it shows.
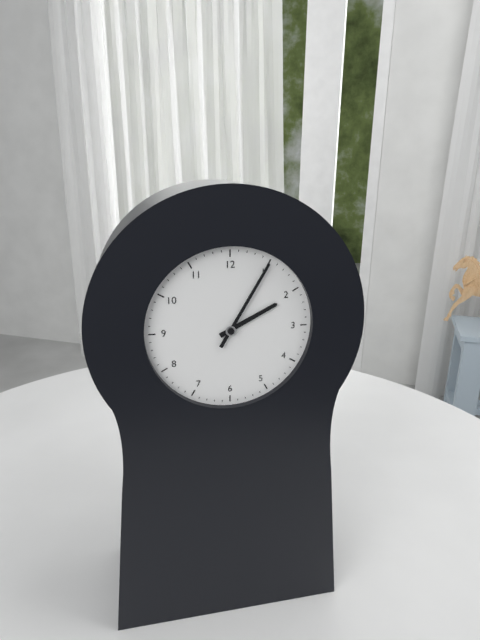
2:05
